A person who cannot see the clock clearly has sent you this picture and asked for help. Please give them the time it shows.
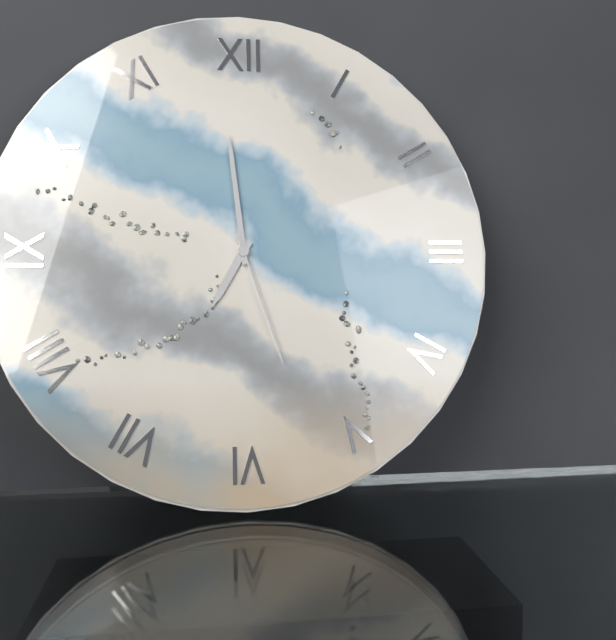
6:59:27
